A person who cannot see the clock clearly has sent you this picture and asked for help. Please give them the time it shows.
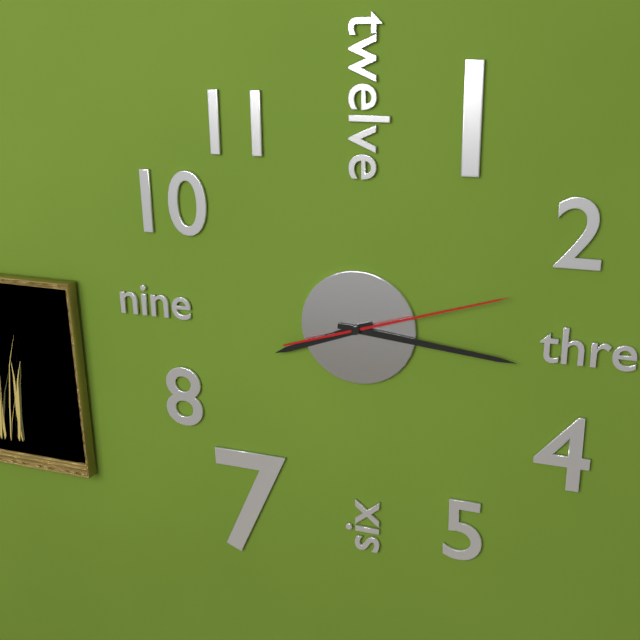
8:16:12
